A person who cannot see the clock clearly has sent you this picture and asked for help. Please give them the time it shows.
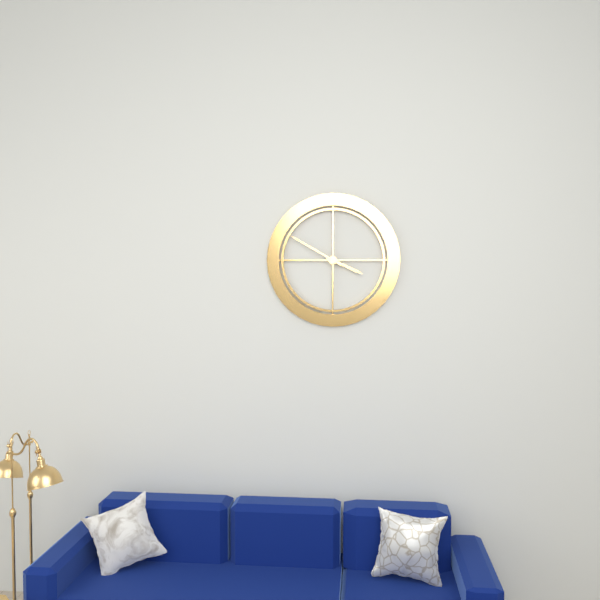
3:50
